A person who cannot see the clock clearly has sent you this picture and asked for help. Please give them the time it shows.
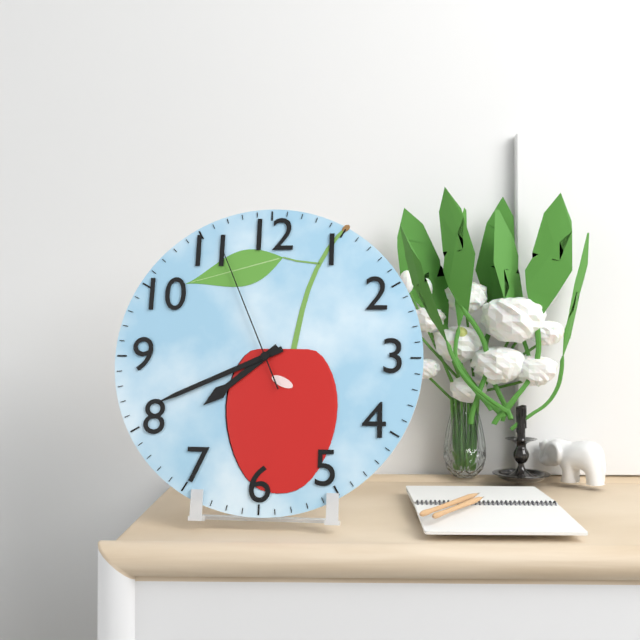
7:41:56
